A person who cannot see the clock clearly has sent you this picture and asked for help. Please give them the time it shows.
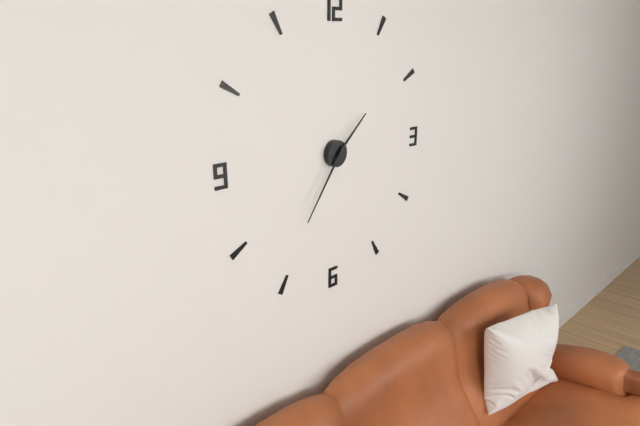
1:36
